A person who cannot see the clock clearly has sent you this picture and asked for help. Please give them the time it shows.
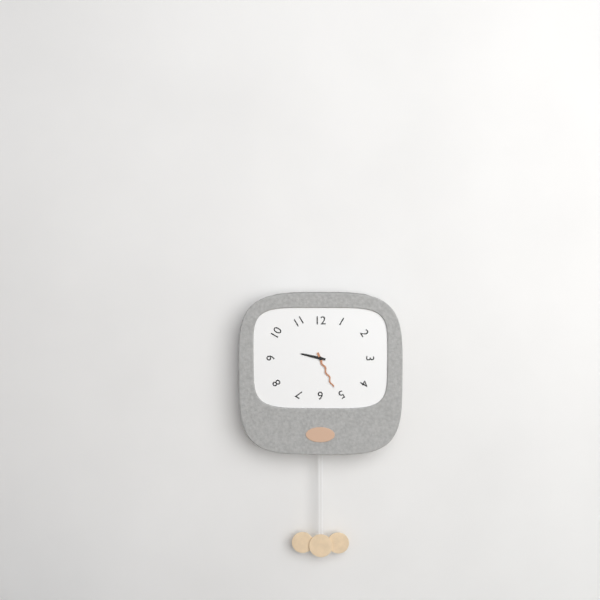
9:26
